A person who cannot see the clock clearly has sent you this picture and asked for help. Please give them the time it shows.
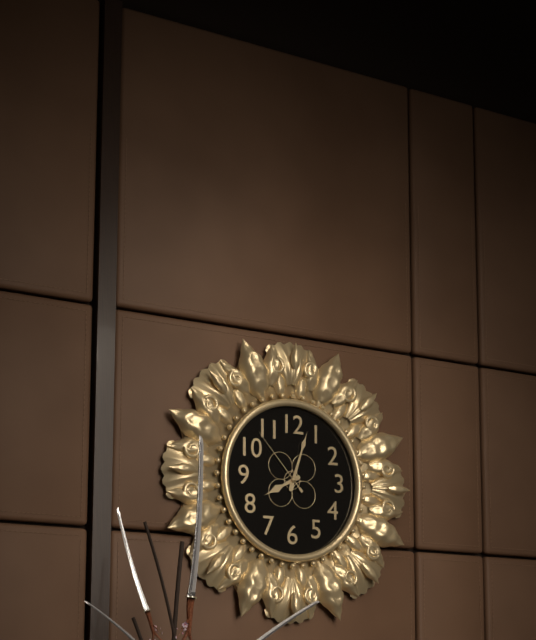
8:03:53
